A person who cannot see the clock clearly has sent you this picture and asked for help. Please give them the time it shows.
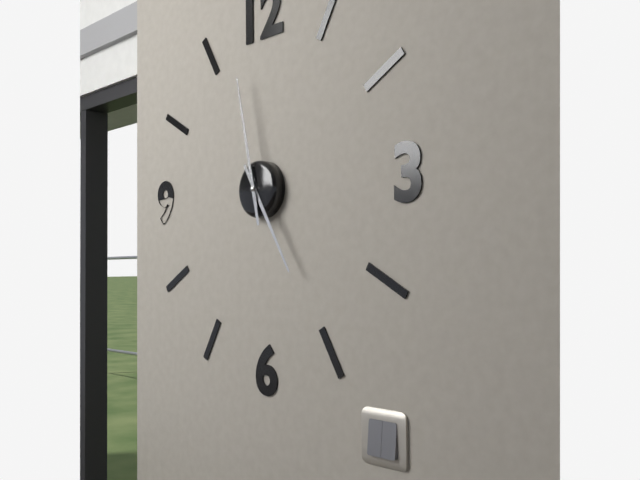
4:58
